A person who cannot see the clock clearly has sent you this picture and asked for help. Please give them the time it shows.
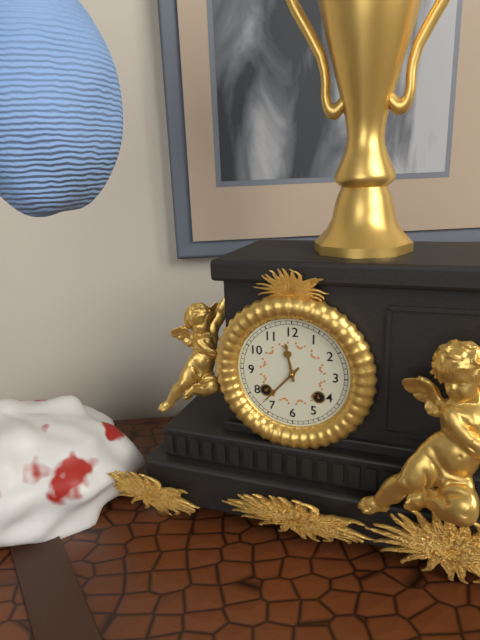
11:37
